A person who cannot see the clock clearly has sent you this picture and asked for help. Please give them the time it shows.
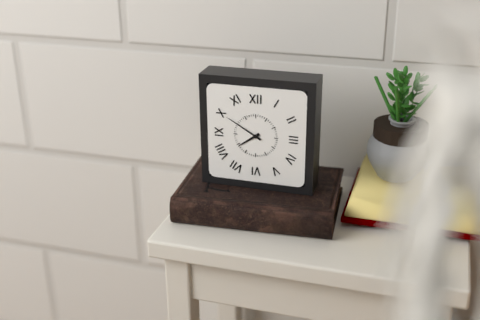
7:50
